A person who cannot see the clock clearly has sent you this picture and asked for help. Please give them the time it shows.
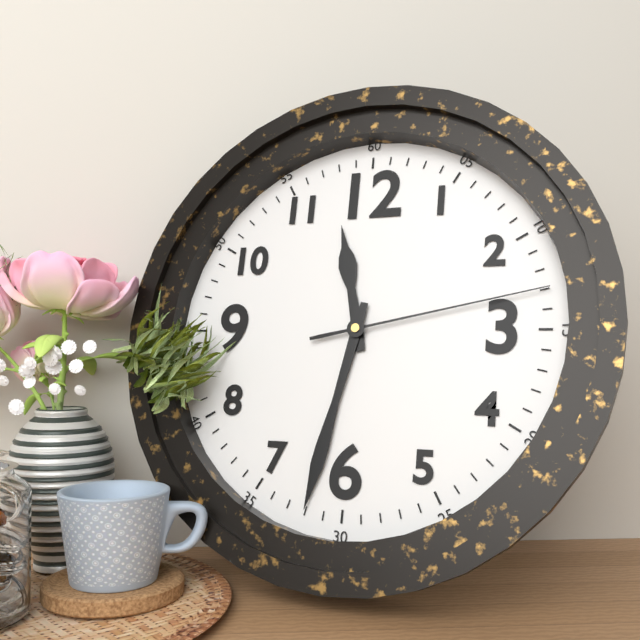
11:32:13
